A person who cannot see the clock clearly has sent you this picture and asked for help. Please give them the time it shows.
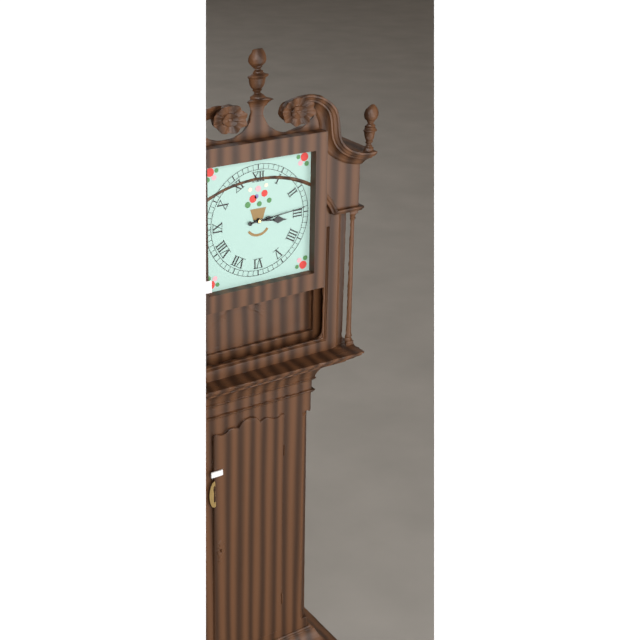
3:14
